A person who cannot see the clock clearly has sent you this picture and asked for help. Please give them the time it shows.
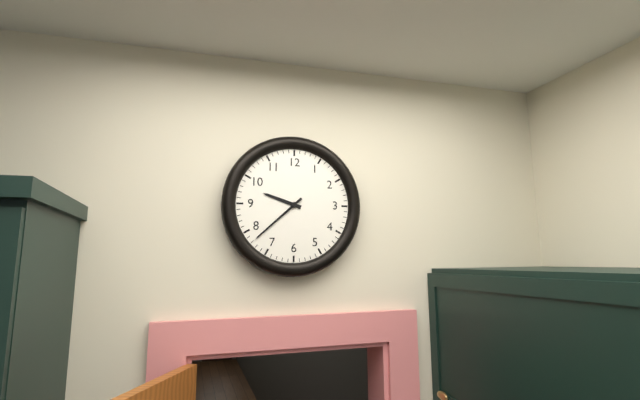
9:38
